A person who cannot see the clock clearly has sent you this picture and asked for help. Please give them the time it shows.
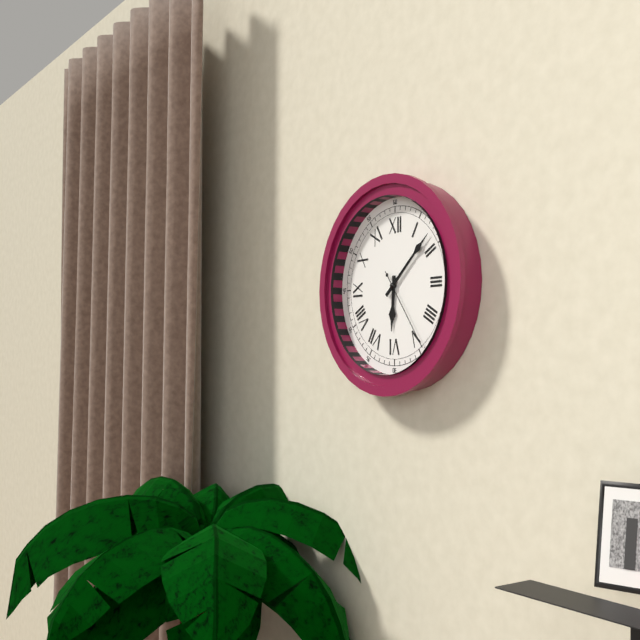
6:08:24
